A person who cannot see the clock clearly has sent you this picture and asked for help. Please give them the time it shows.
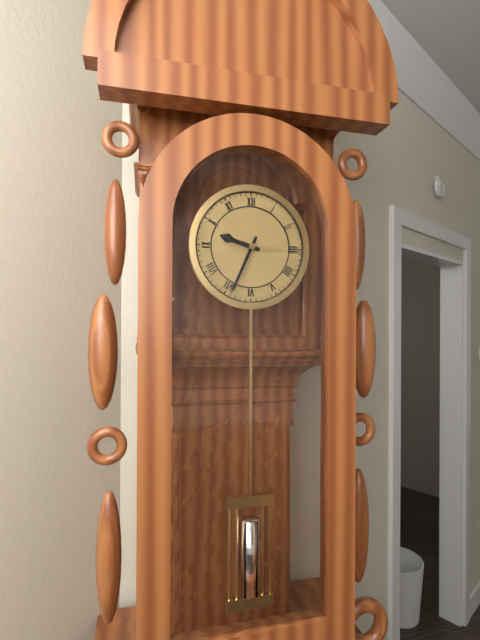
9:34
